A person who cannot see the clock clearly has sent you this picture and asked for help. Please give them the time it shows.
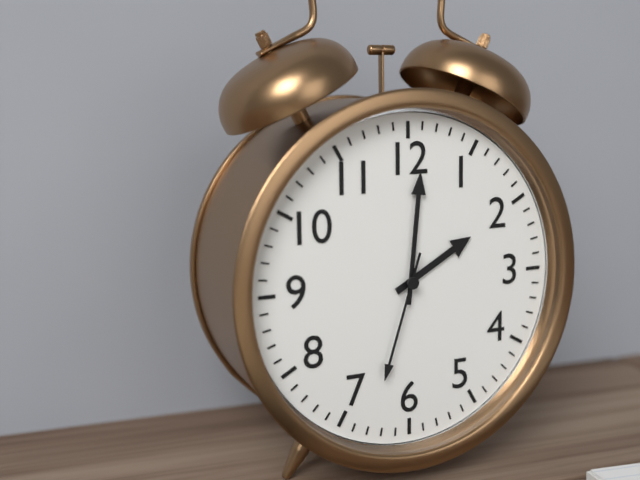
2:01:33
